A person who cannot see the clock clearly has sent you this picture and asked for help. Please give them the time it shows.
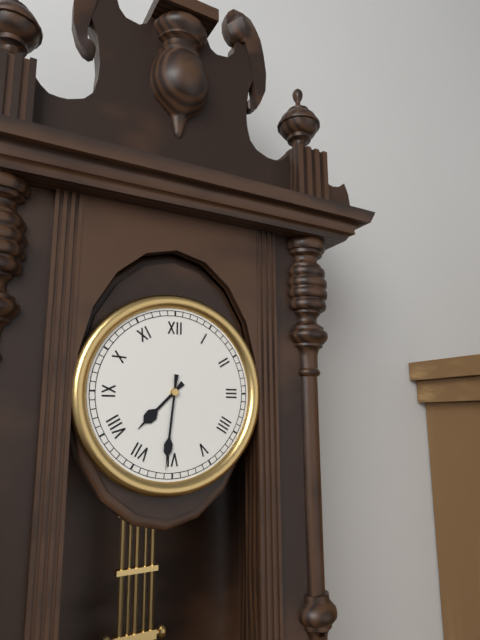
7:31
